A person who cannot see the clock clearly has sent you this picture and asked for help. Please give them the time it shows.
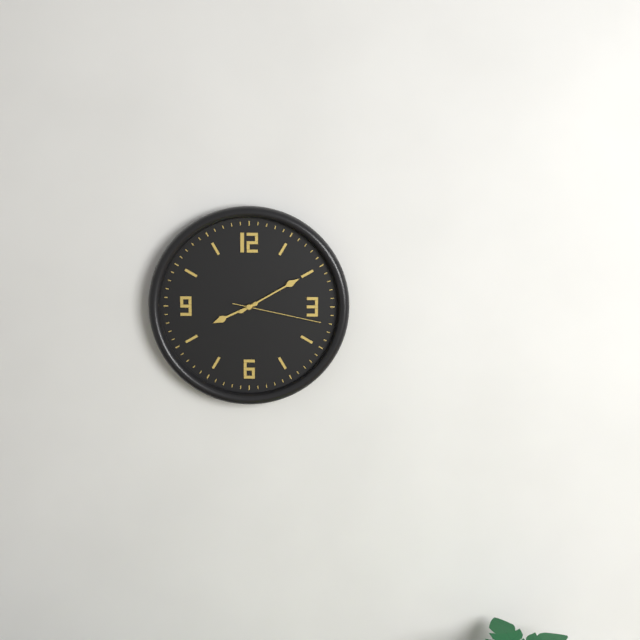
8:10:17
